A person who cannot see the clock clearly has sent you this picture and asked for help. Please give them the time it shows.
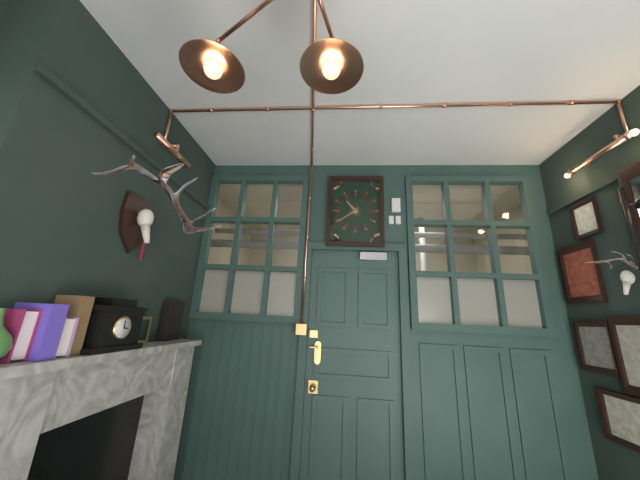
10:39
